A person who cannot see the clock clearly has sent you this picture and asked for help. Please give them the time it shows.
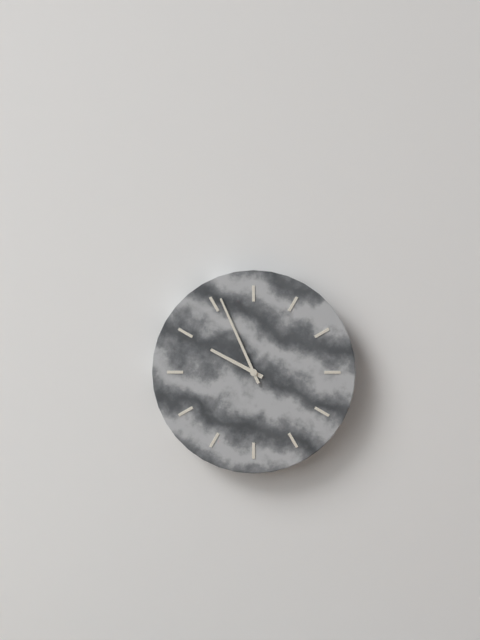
9:56
